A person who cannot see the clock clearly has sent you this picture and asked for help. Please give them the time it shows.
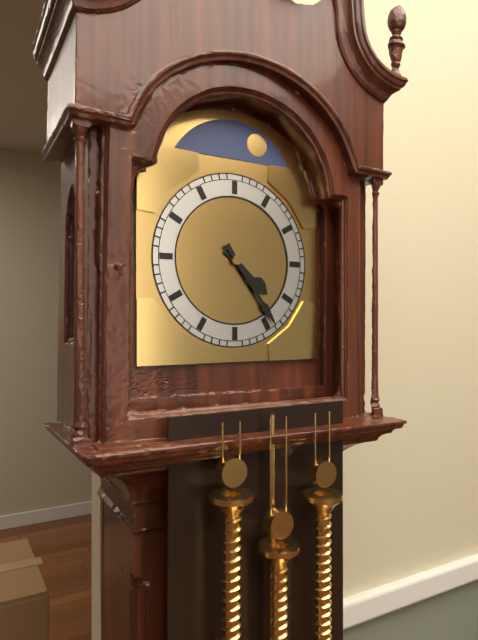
4:24
